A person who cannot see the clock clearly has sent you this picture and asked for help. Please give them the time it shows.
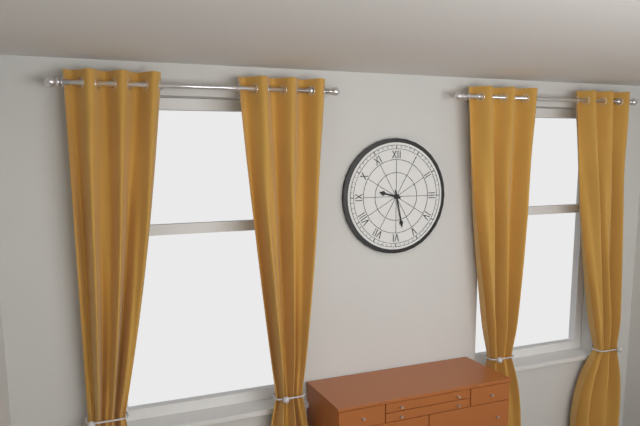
9:28
